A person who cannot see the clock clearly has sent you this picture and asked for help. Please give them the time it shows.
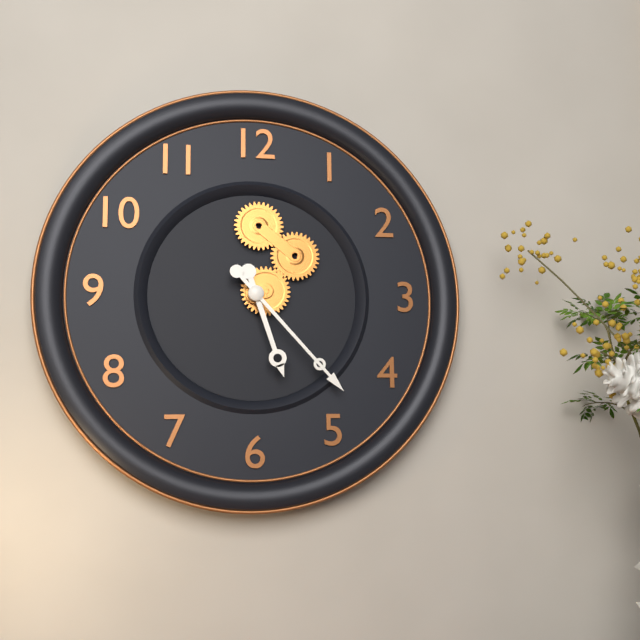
5:23
